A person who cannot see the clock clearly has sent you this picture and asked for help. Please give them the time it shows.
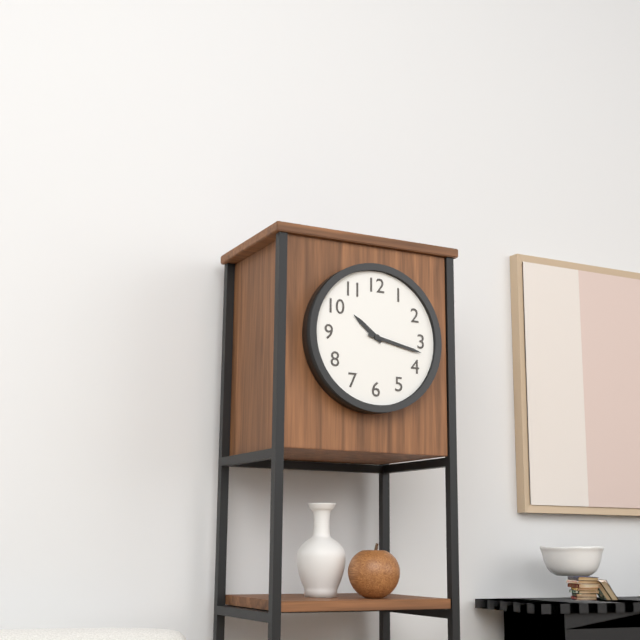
10:17
